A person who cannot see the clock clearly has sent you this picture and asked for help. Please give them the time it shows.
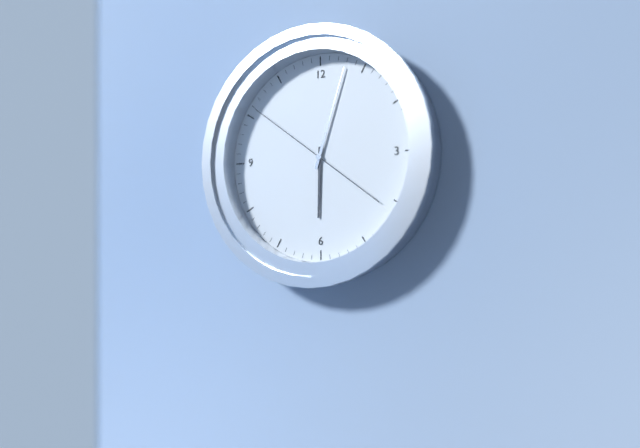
6:03:51
